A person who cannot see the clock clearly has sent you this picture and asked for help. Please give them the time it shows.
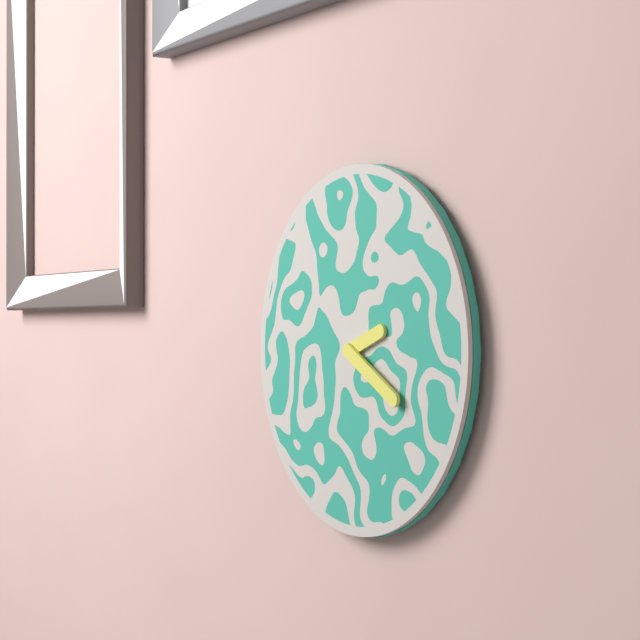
2:20
